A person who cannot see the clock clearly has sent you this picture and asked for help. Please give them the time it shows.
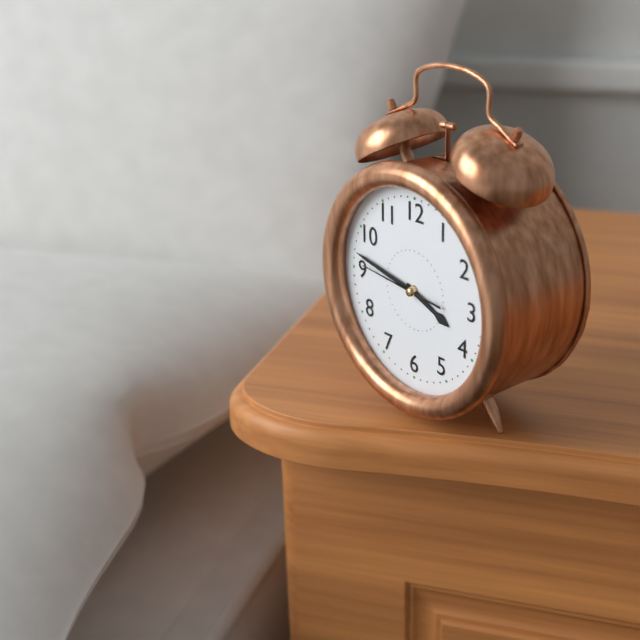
3:47:46
